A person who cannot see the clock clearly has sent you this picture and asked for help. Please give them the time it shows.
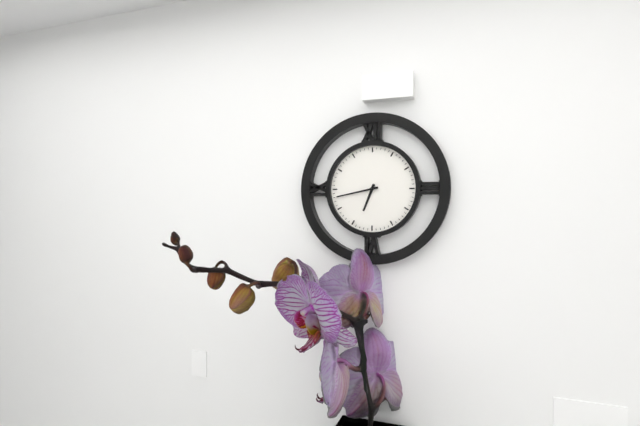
6:43
